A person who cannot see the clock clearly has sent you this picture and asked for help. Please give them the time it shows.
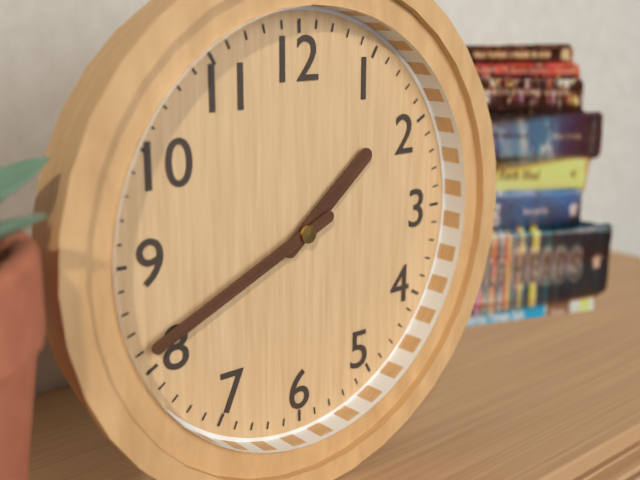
1:41
